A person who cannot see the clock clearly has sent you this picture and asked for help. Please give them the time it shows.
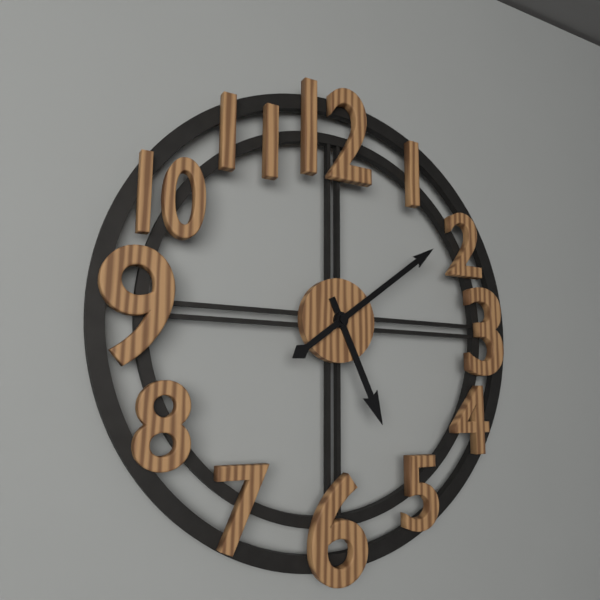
5:09
